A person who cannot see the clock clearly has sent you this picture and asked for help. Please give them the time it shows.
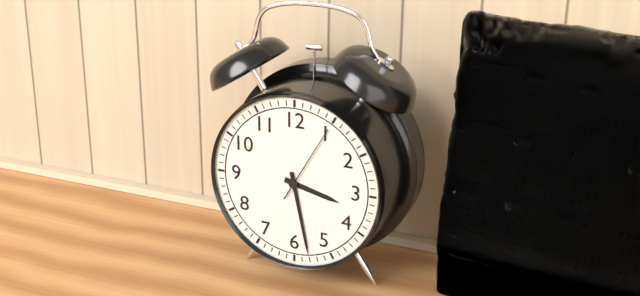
3:28:05
